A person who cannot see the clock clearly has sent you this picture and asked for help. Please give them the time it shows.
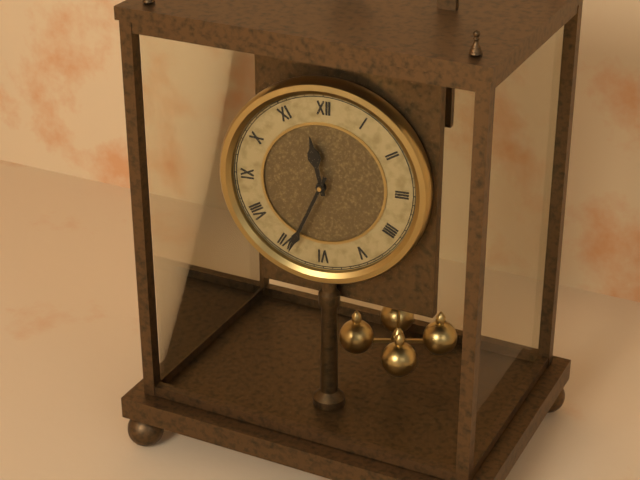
11:34
